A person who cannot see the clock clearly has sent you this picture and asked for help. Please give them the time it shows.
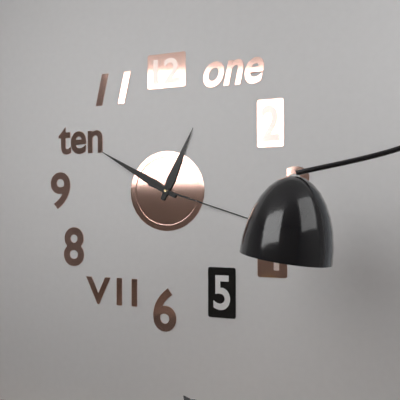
12:50:18
